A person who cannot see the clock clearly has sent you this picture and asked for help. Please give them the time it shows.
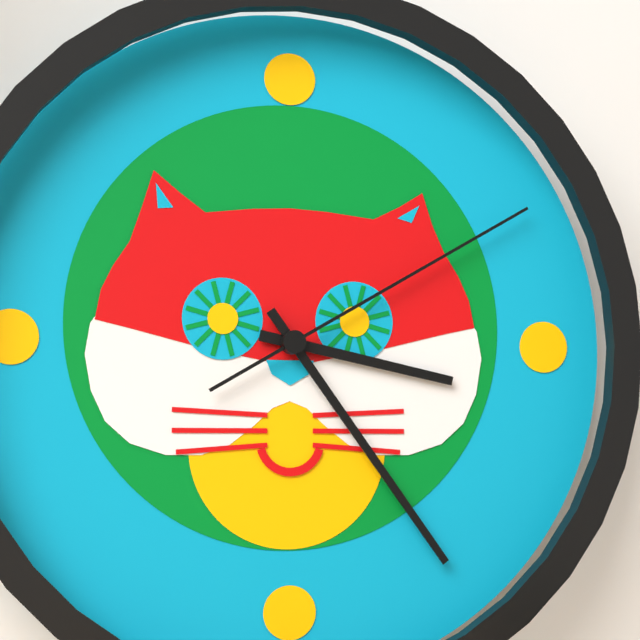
3:24:10
